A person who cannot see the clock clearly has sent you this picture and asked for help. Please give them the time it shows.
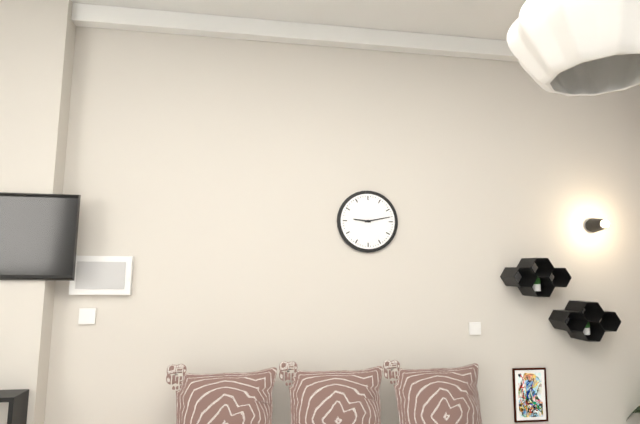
9:13
